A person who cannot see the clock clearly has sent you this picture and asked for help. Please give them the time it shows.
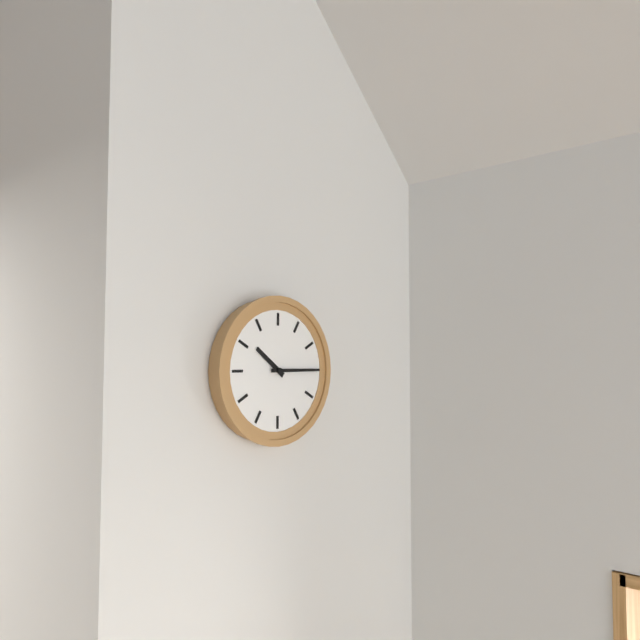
10:15
